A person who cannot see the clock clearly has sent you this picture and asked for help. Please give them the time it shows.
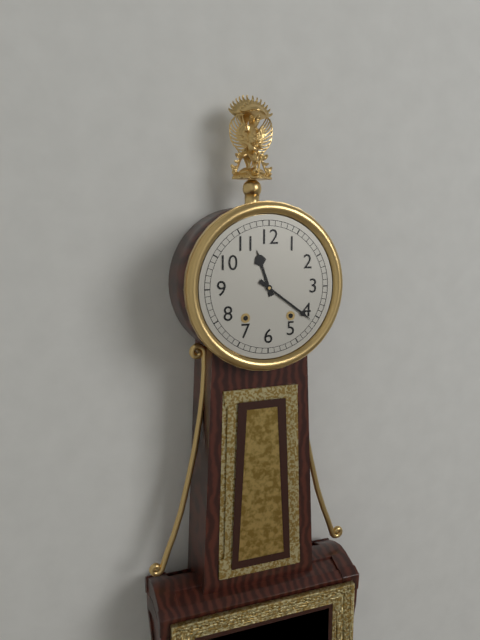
11:21
